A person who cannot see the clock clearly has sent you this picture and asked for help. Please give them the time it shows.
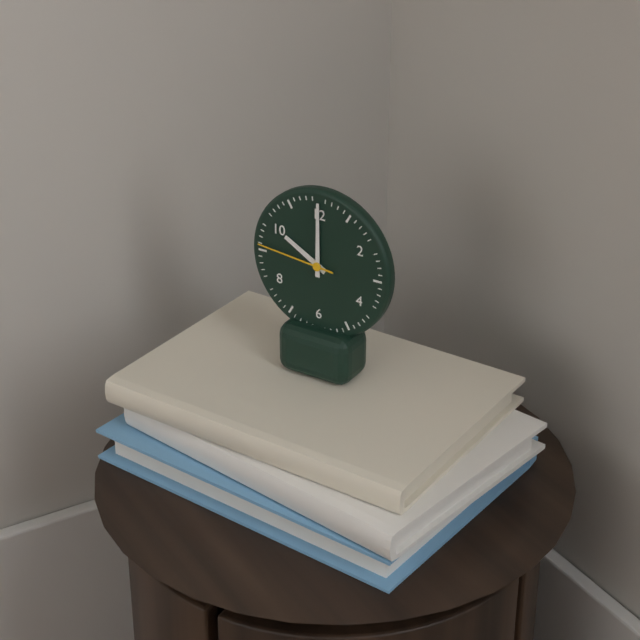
10:00:46
